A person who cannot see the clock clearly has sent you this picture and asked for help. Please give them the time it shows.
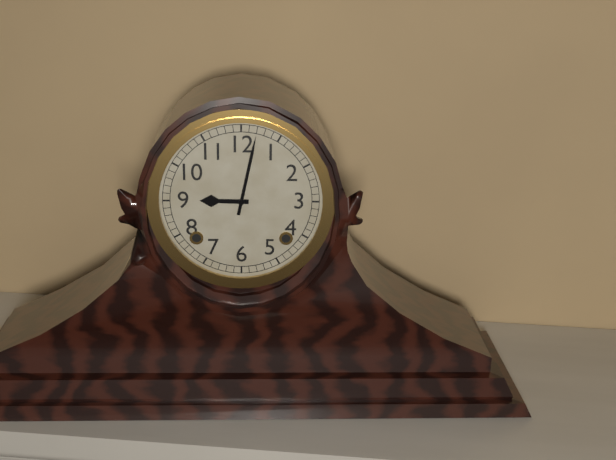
9:02
